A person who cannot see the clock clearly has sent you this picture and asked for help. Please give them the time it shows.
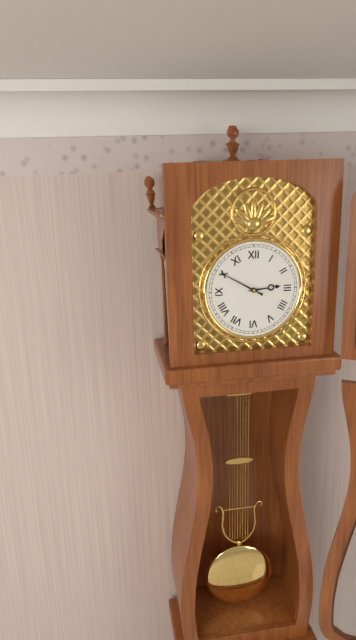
2:50
